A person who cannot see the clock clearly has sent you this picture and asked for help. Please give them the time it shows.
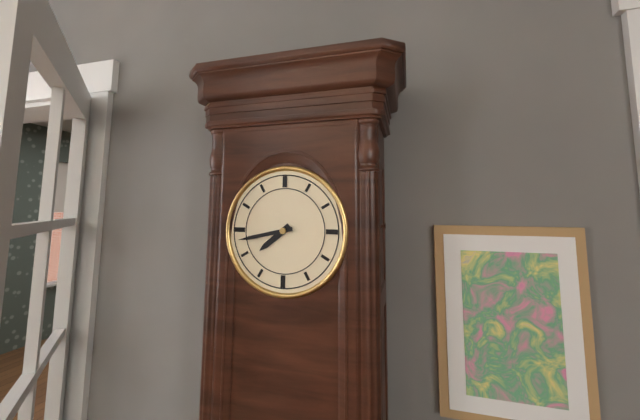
7:43
